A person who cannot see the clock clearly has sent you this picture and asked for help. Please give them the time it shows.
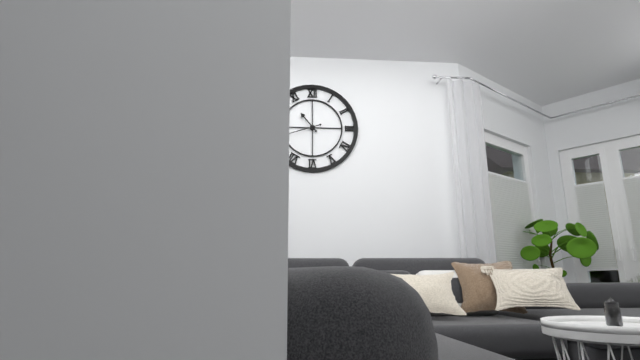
10:42
